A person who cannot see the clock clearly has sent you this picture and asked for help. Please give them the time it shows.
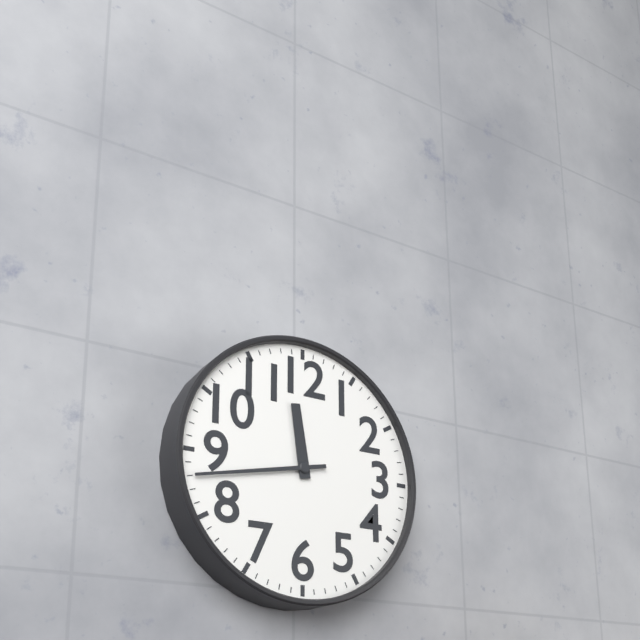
11:43
